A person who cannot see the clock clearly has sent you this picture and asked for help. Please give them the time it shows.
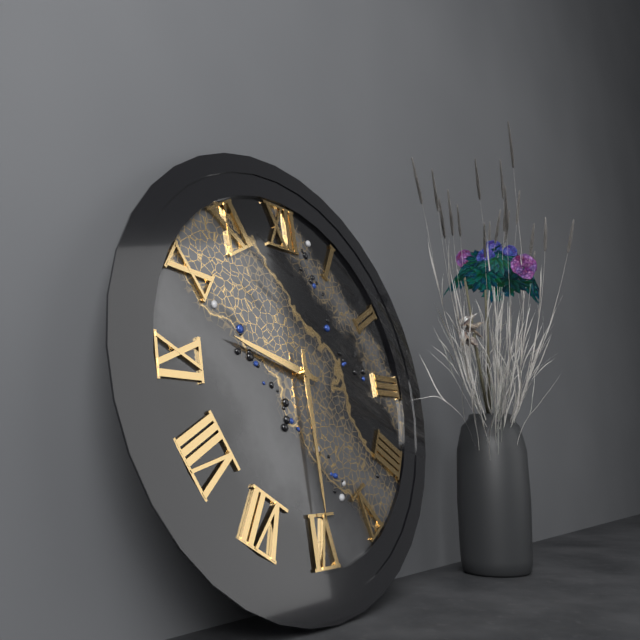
9:30
